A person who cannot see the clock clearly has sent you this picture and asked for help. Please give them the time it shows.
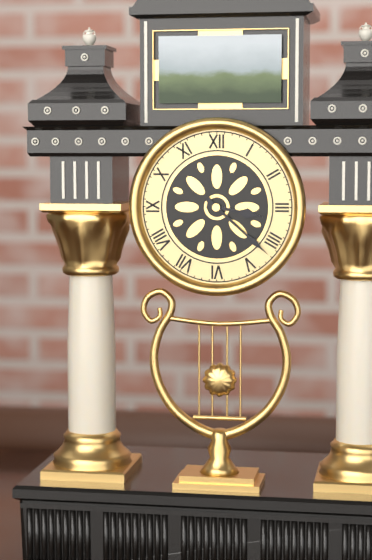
3:22
